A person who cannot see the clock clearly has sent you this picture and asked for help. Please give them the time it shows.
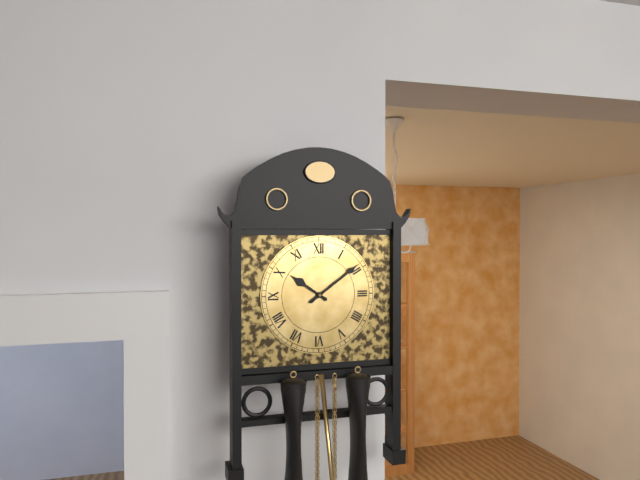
10:09
